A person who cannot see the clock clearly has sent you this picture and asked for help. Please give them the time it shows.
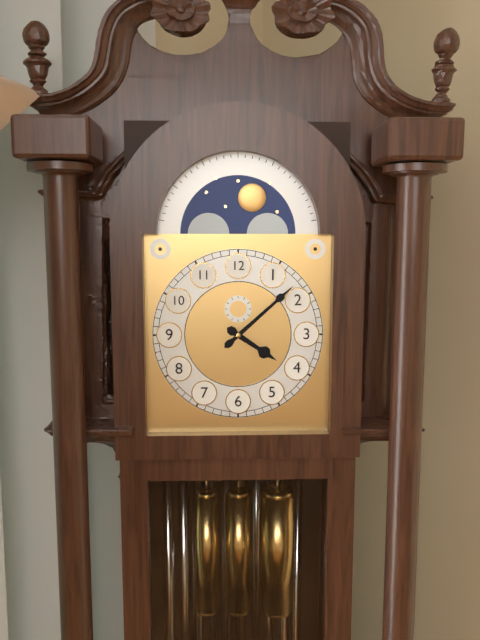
4:08
